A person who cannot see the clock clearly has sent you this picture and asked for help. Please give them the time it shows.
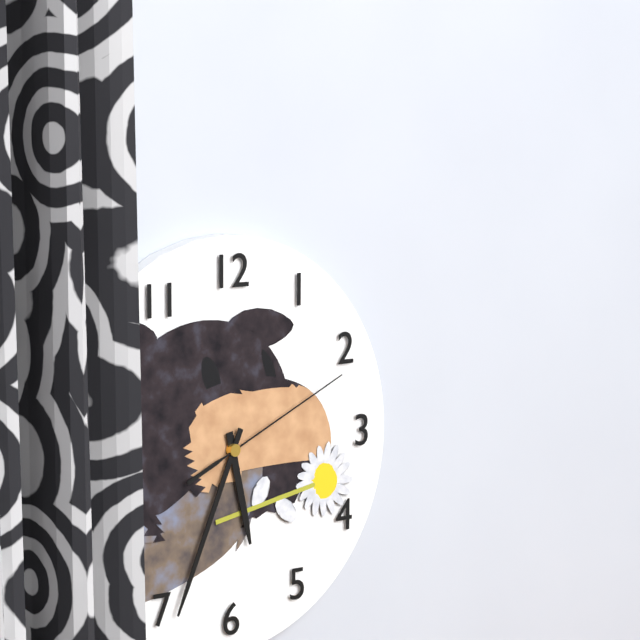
5:34:11
